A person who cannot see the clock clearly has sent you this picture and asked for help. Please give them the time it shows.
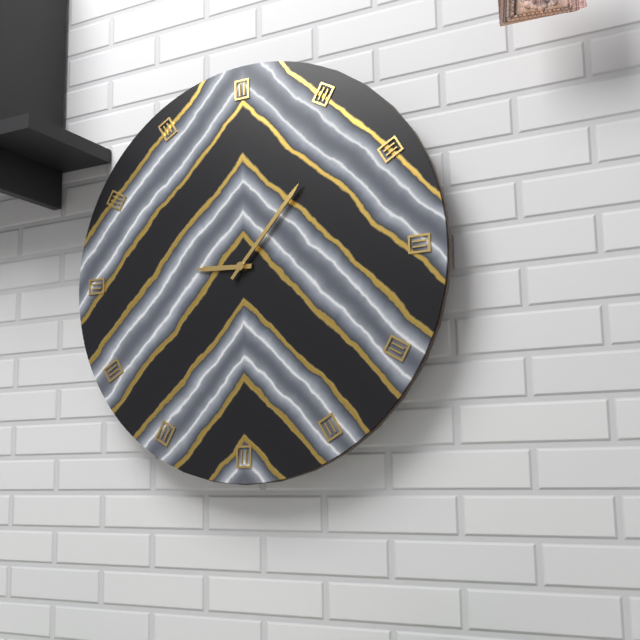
9:07
